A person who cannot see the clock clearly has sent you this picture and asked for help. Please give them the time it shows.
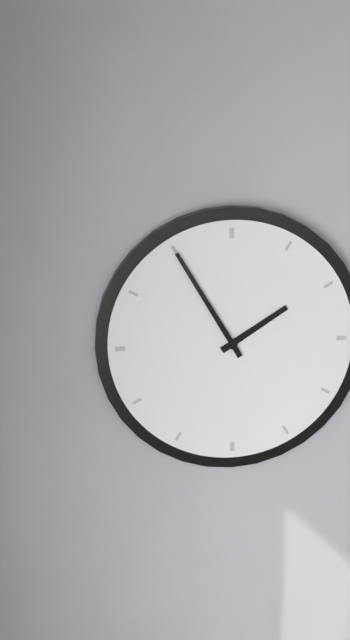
1:55
